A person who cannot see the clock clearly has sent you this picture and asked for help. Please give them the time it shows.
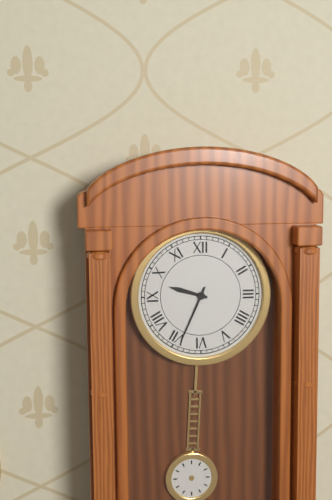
9:34
